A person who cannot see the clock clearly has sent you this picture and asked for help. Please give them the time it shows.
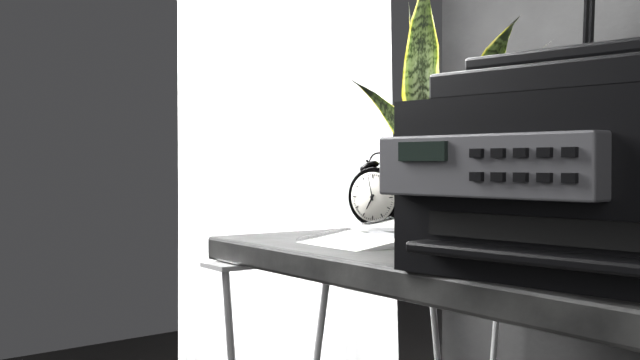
6:58
